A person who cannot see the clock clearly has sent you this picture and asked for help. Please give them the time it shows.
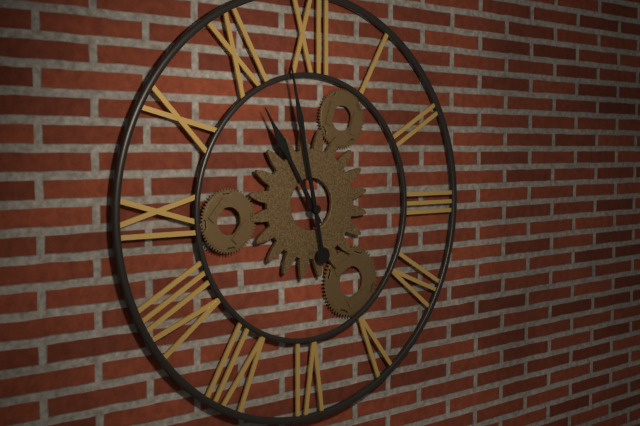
10:58
